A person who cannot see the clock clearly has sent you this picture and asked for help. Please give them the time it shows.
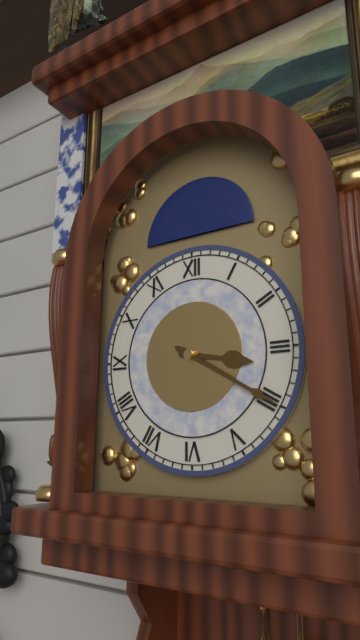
3:20
